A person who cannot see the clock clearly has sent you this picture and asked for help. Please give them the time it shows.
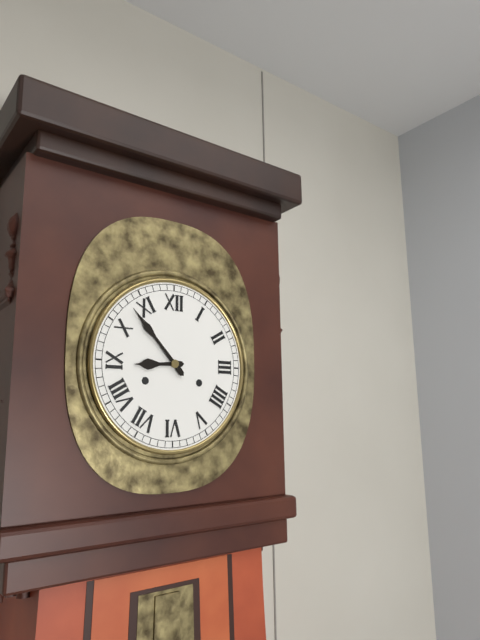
8:53
